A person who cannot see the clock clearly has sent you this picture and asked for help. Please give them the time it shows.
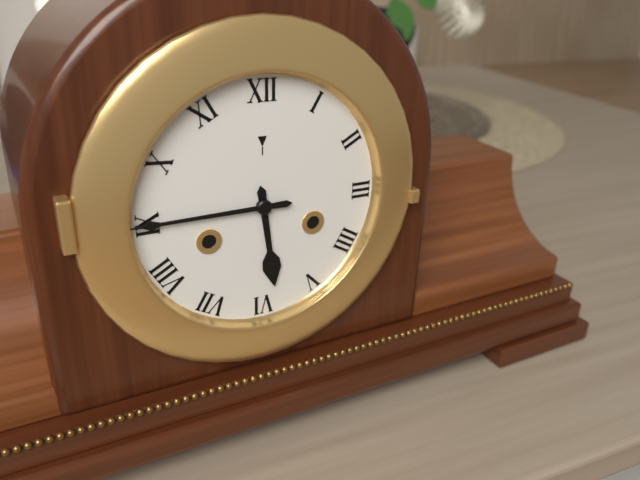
5:45
